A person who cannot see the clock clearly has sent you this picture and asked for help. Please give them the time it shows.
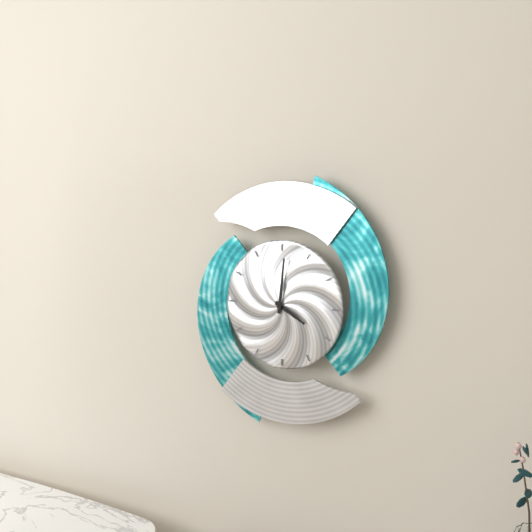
4:01
